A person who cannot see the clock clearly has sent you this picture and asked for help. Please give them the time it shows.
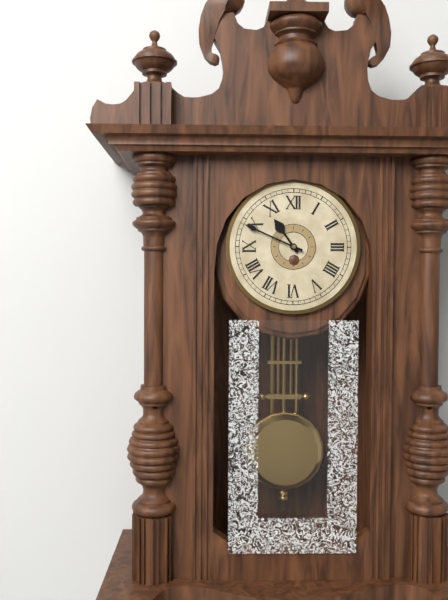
10:49
